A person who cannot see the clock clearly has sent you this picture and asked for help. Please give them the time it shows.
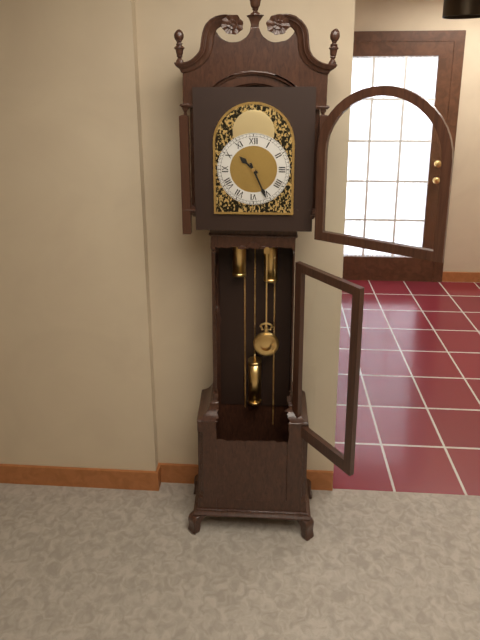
10:26
